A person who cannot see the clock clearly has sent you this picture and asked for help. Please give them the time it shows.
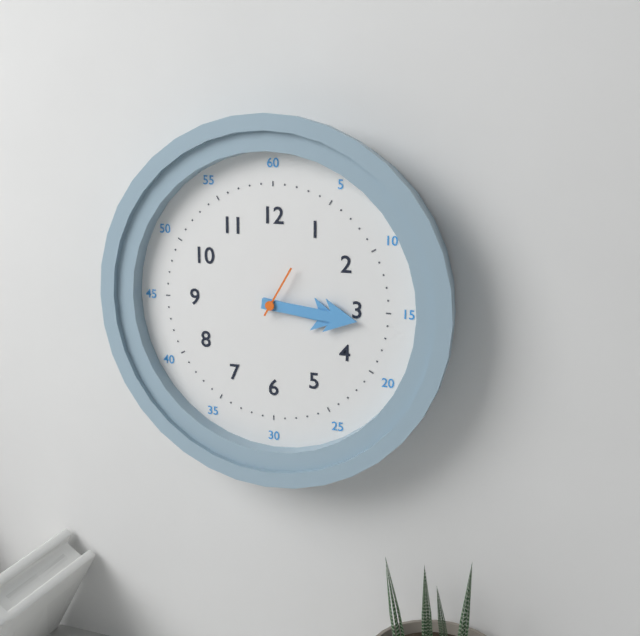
3:16
